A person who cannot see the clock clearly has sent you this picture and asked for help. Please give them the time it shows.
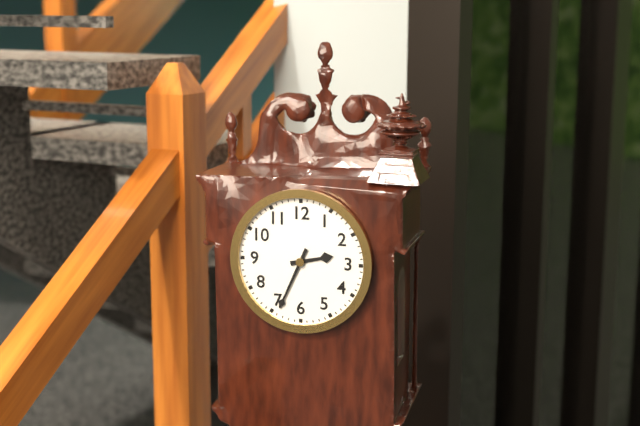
2:34
